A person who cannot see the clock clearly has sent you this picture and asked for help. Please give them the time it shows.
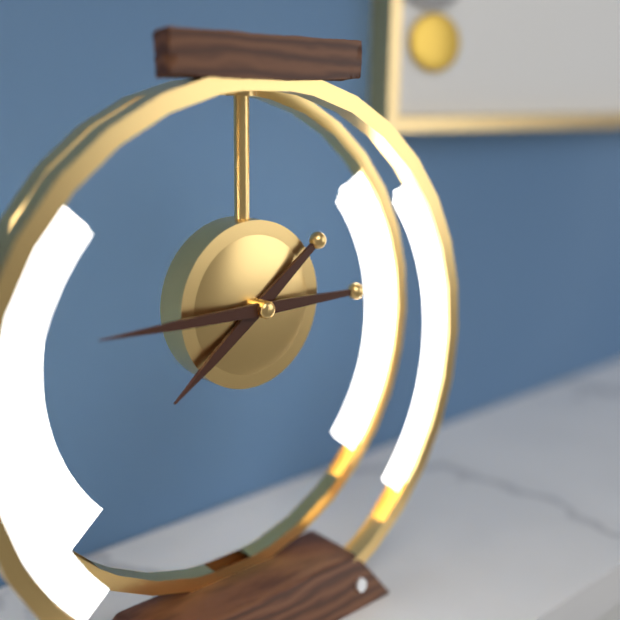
7:45
